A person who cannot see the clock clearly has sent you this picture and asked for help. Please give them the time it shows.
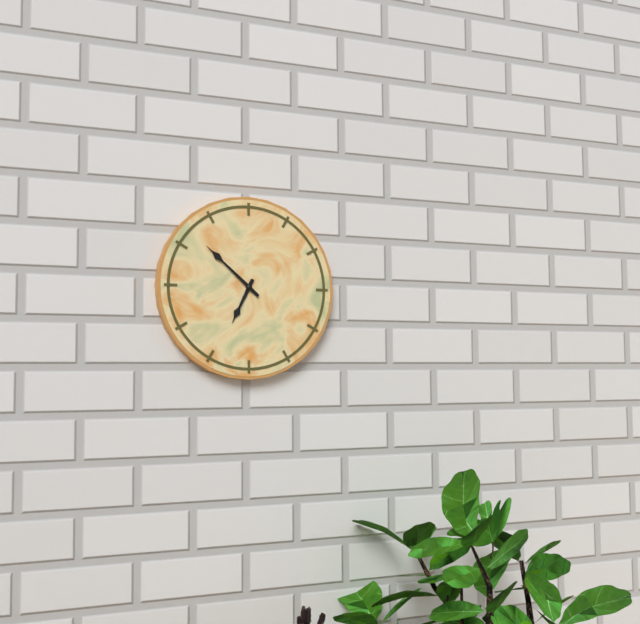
6:52
